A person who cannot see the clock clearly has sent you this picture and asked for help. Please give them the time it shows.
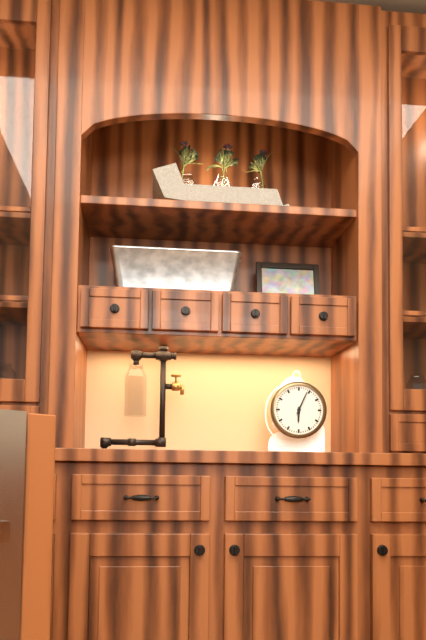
6:04
